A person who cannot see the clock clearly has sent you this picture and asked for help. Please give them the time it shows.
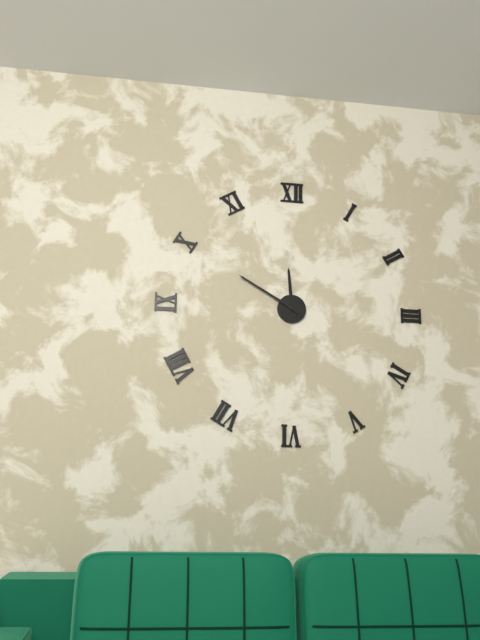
11:50
